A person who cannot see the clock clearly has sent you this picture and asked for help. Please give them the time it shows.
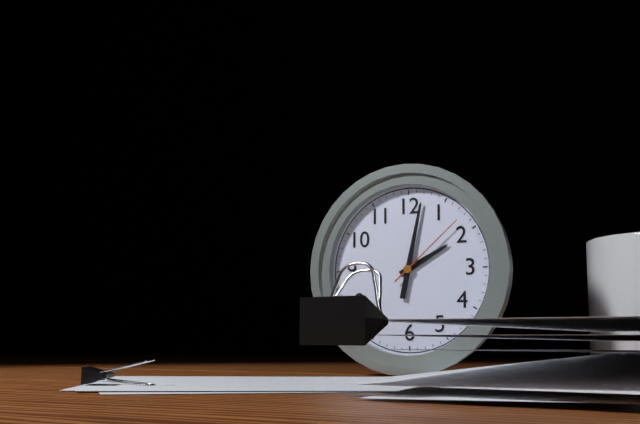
2:02:08
